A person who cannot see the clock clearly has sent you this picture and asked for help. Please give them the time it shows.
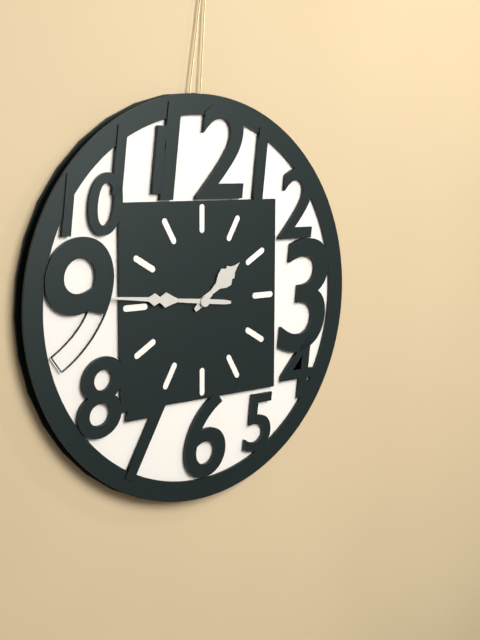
1:46
